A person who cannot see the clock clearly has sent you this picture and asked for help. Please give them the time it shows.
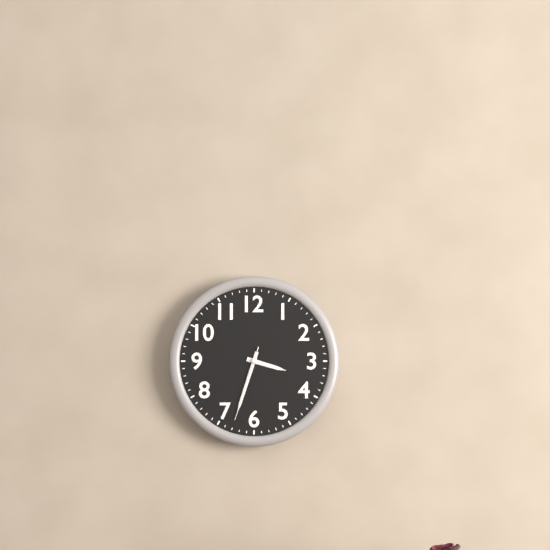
3:33:33
